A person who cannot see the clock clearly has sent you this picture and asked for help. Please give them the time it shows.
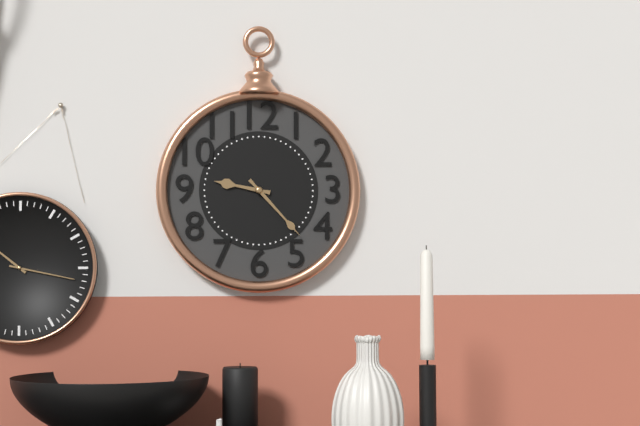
9:23
